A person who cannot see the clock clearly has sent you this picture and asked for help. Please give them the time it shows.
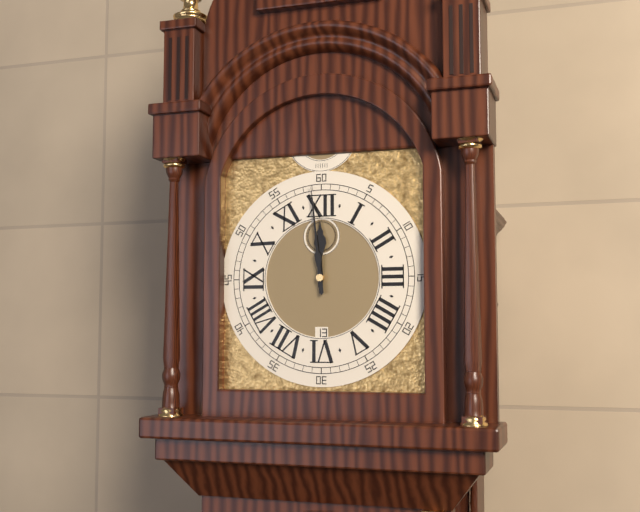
11:59
